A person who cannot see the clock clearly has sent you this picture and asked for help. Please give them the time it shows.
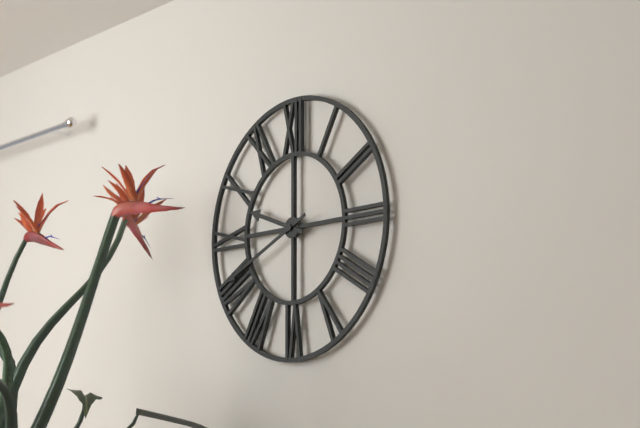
9:41
